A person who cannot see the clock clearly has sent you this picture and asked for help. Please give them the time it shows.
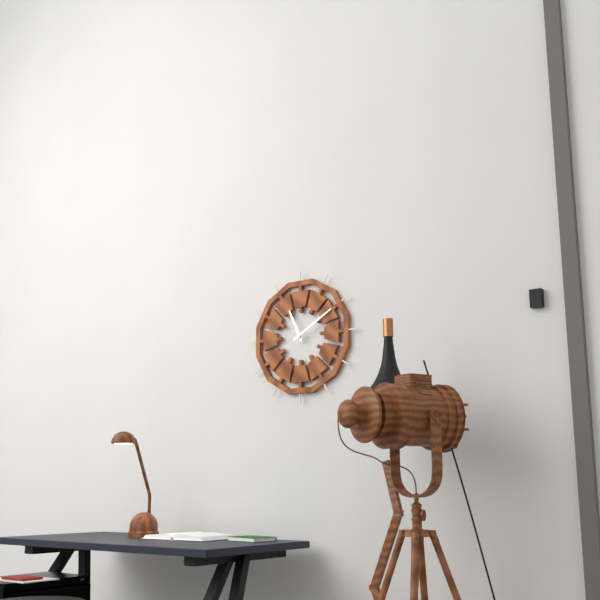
11:10
